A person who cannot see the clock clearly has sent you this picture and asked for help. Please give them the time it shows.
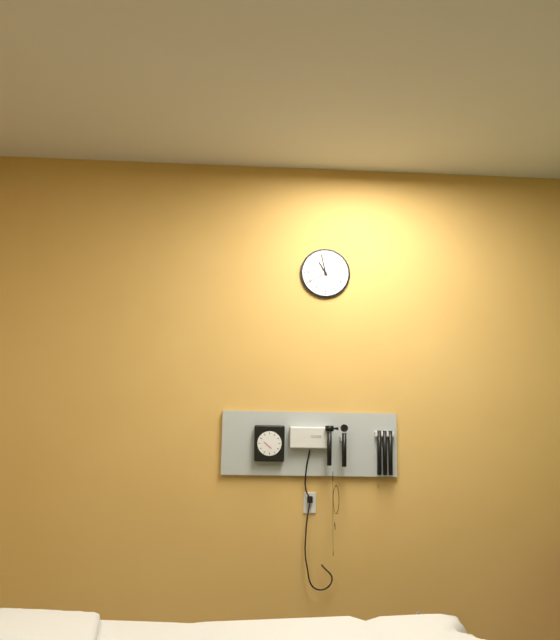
10:58
